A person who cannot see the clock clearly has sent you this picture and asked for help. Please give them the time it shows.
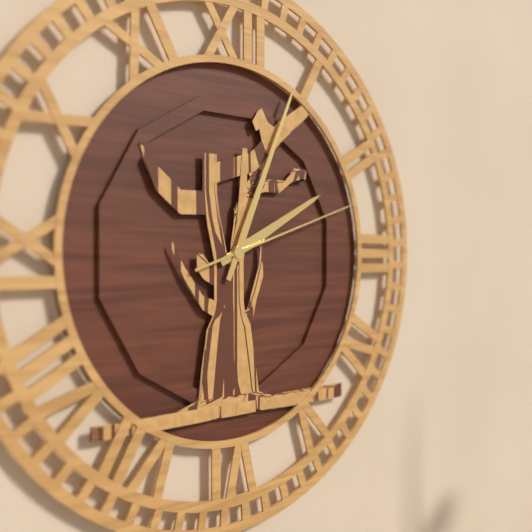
2:04:12
